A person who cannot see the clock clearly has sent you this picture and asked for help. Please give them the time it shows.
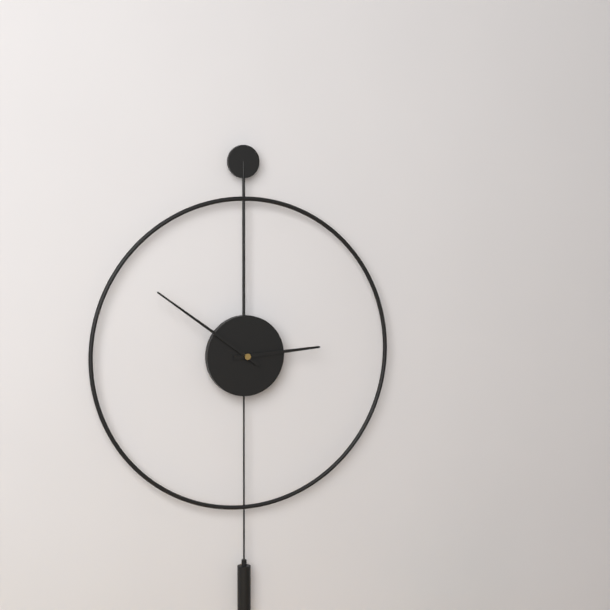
2:51
